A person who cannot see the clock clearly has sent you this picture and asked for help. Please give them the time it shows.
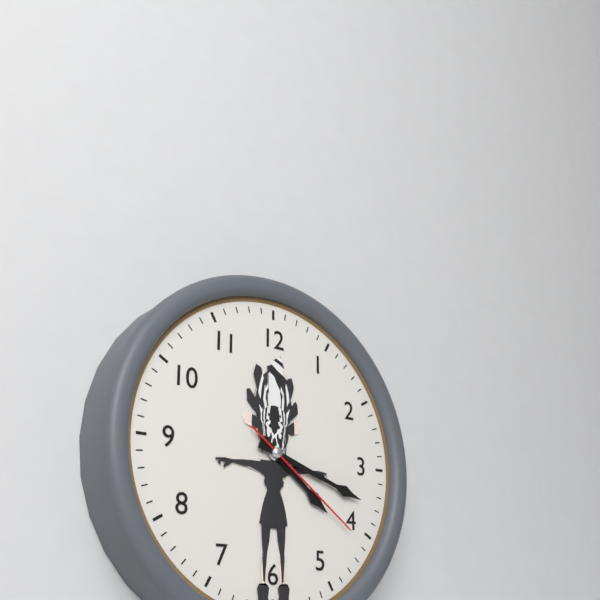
4:18:21
